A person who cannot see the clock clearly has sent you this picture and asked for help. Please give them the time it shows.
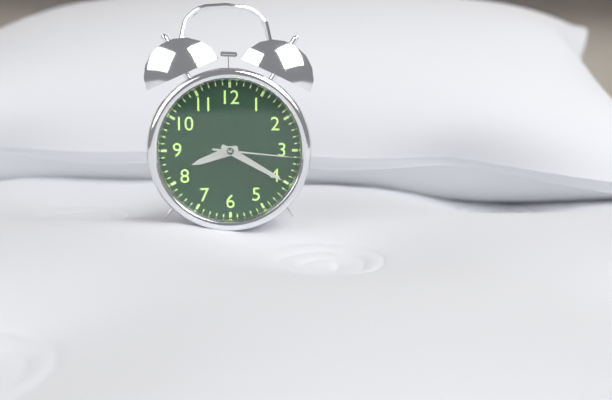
8:20:16
